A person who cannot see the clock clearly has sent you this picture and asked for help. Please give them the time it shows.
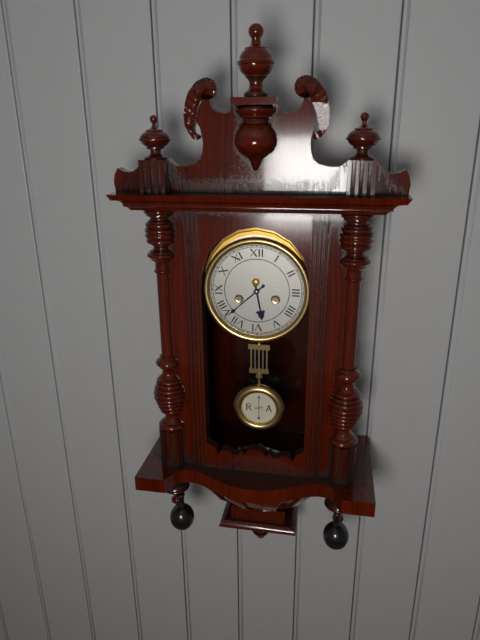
5:38
